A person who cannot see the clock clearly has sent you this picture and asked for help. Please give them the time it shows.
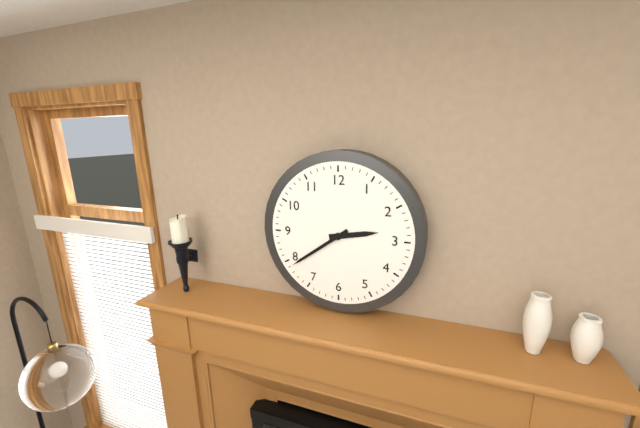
2:39
